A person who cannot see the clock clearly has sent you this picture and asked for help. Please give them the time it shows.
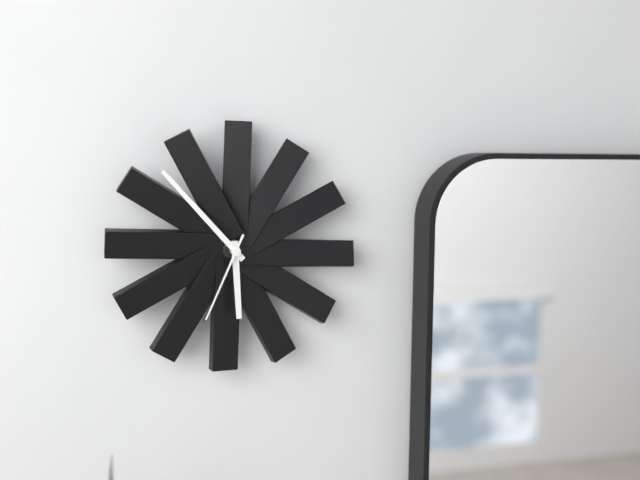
5:53:34
